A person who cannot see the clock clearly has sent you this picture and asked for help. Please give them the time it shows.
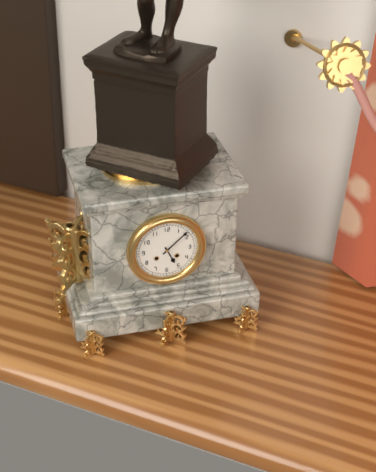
5:08
